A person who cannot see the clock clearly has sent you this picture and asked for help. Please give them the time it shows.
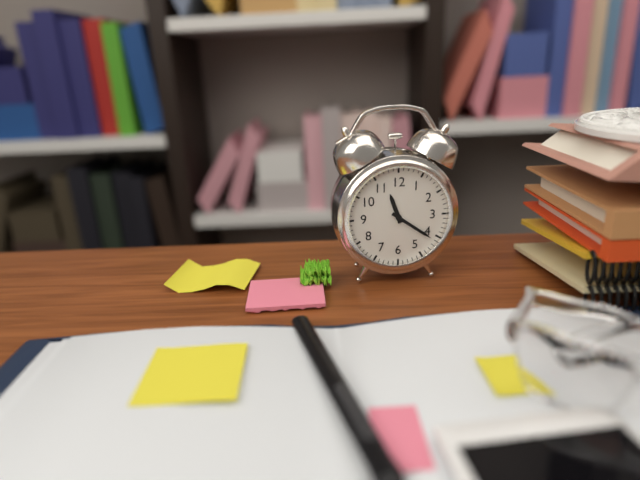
11:21
